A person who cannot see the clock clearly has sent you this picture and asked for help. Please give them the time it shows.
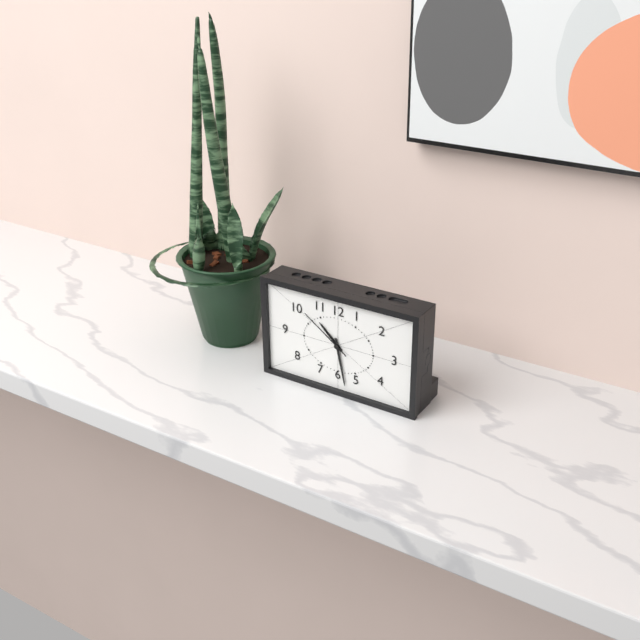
10:28:51
